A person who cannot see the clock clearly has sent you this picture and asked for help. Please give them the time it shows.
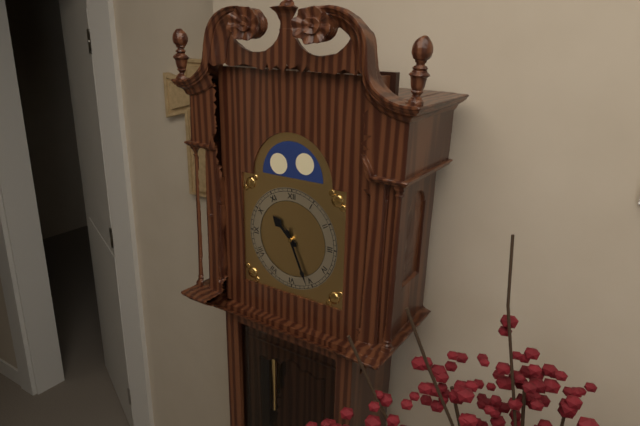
10:26
